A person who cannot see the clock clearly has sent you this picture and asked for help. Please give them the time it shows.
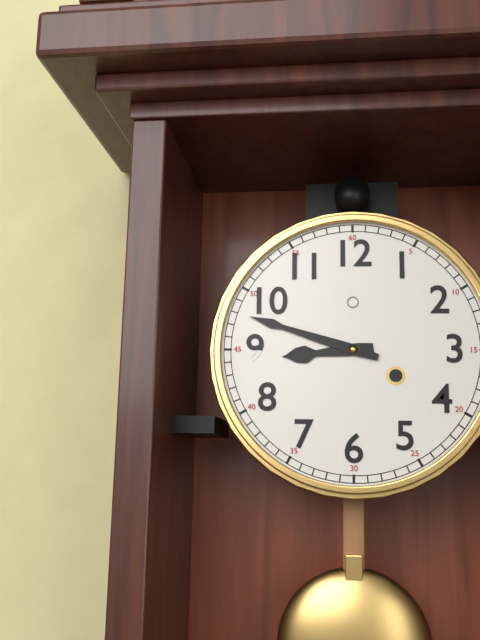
8:48
